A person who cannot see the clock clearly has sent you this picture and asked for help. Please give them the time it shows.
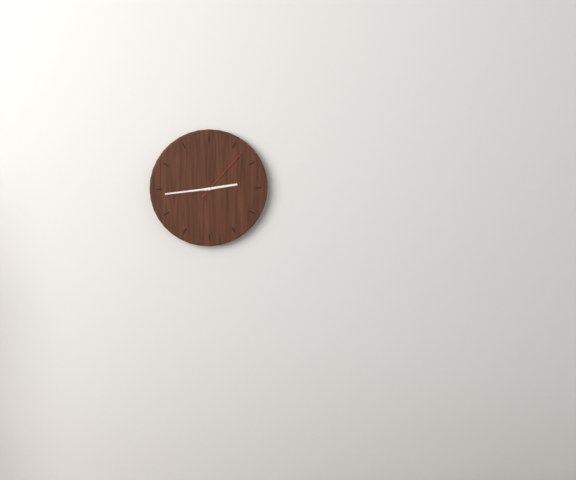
2:44:07
